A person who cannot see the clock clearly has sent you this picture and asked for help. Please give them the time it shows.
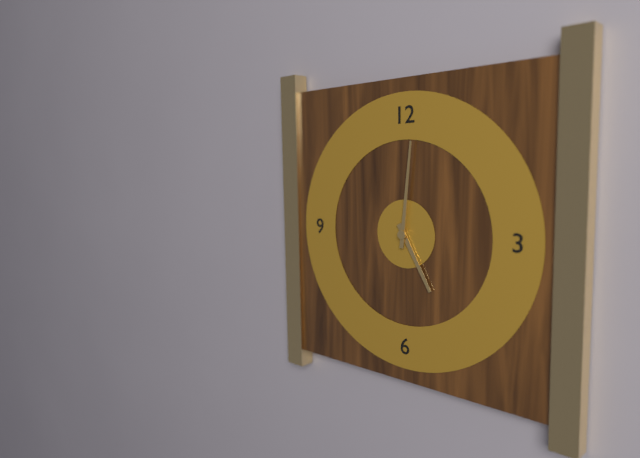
5:01
